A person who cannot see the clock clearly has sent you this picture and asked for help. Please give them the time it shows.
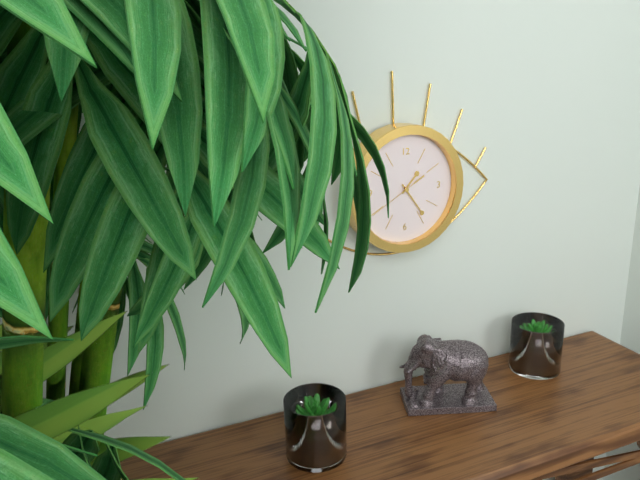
1:24:40
